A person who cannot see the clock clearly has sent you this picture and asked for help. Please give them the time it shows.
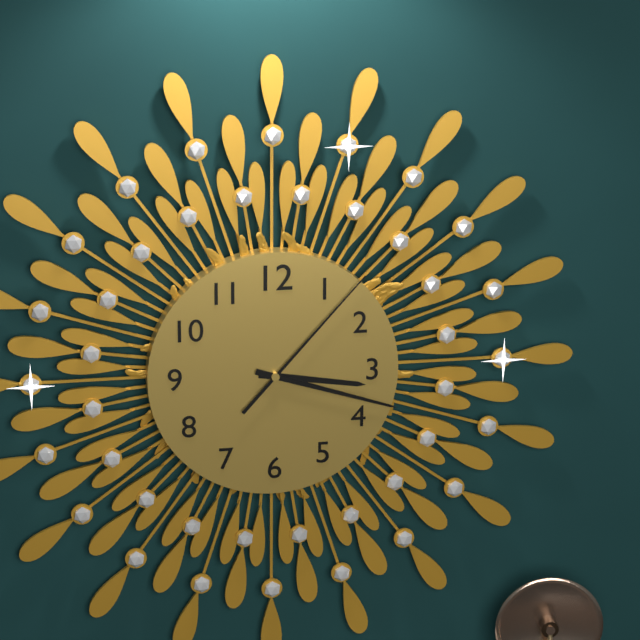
3:18:07
